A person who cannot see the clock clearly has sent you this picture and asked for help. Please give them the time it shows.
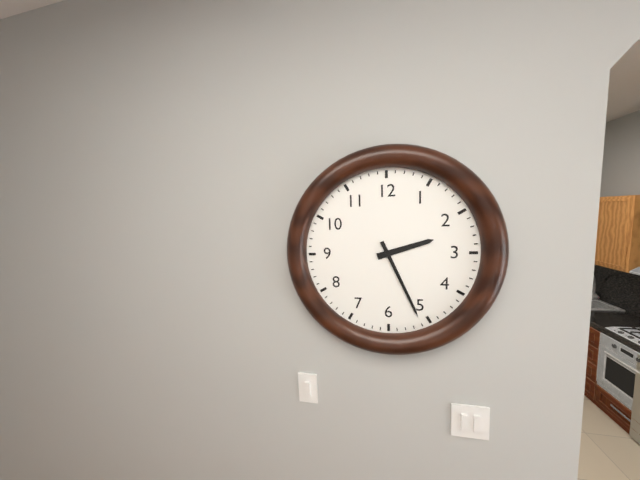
2:26
